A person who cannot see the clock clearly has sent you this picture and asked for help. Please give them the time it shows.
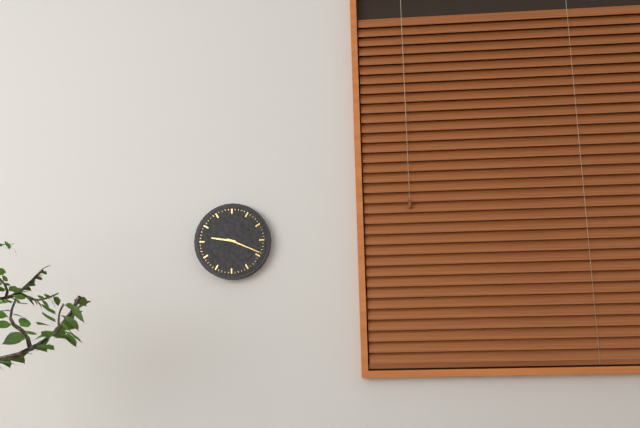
9:19
